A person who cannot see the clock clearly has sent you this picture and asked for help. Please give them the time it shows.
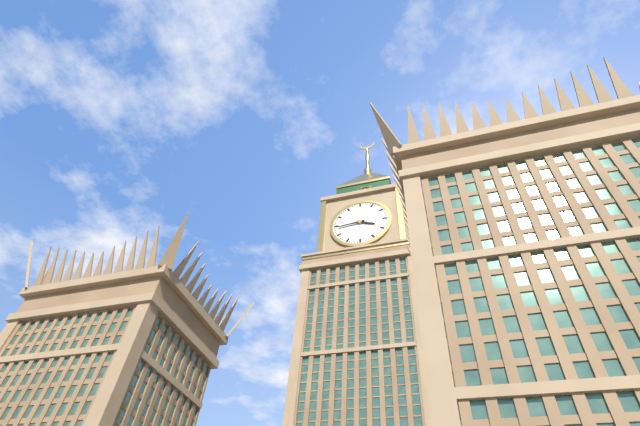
3:44
